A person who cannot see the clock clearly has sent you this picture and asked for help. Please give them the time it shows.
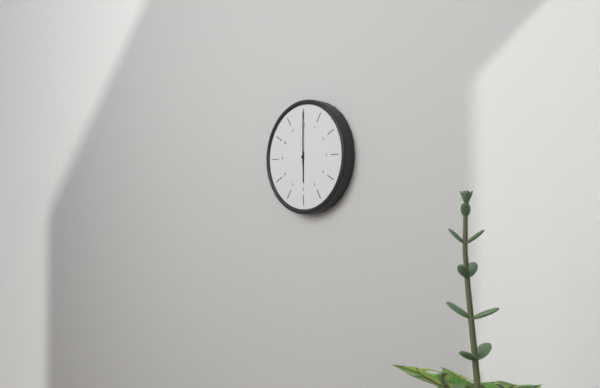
6:00
